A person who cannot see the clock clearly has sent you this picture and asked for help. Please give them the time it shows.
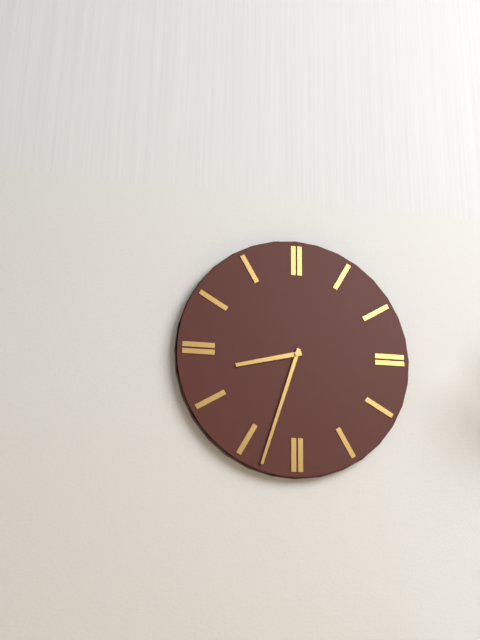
8:33
